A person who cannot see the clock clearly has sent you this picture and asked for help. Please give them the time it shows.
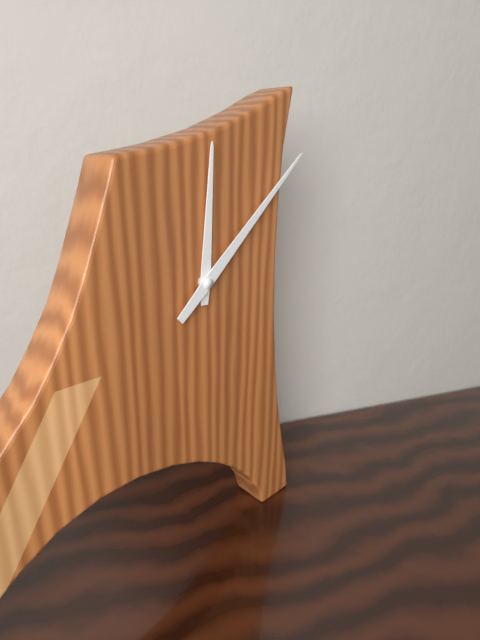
12:08
